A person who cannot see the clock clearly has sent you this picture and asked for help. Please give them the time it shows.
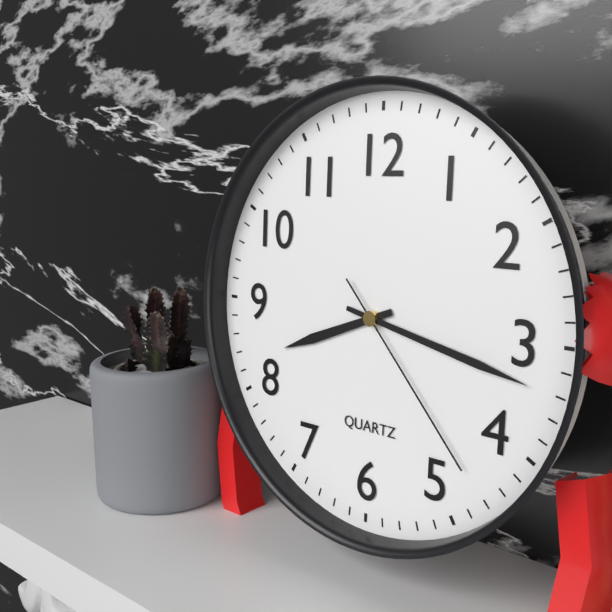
8:17:23
